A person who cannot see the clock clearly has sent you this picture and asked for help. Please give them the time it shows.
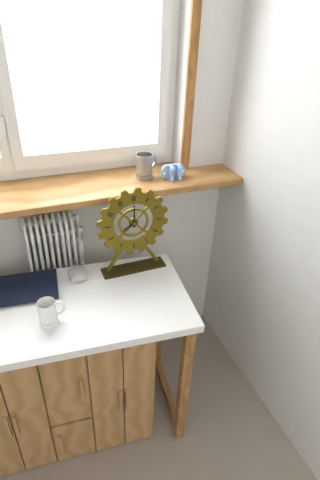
8:00
